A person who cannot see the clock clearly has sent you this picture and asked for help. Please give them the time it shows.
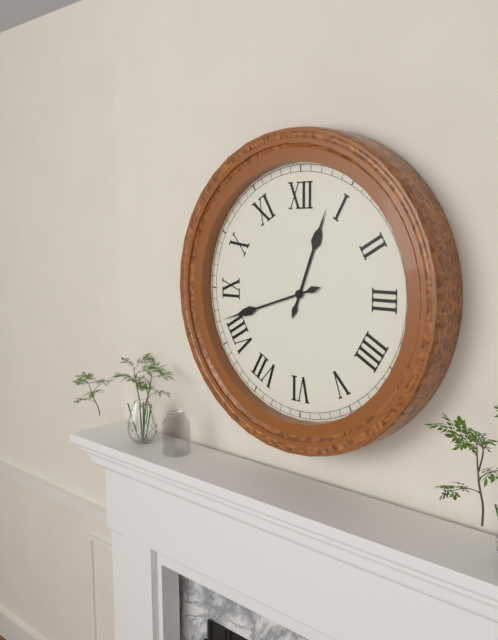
12:42
